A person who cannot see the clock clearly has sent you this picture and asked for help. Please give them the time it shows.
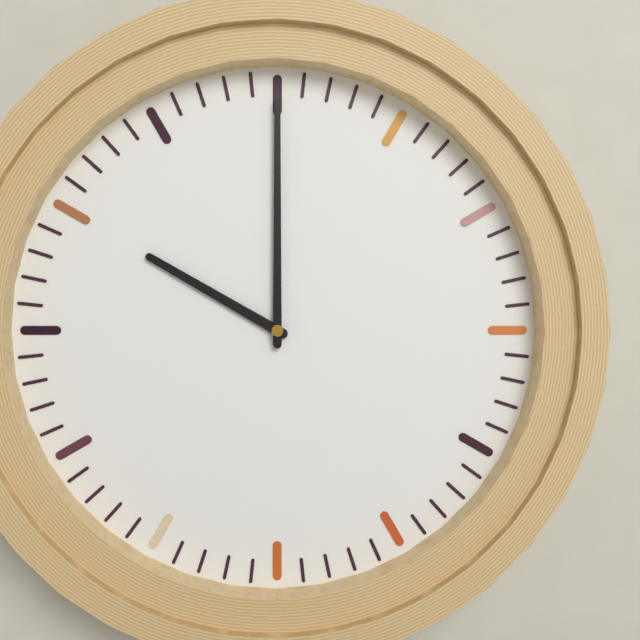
10:00
